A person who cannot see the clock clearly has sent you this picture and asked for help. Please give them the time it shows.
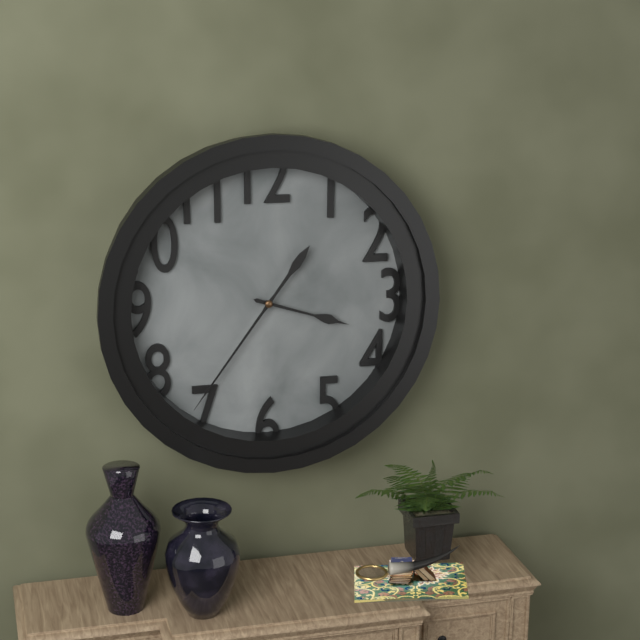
3:36
